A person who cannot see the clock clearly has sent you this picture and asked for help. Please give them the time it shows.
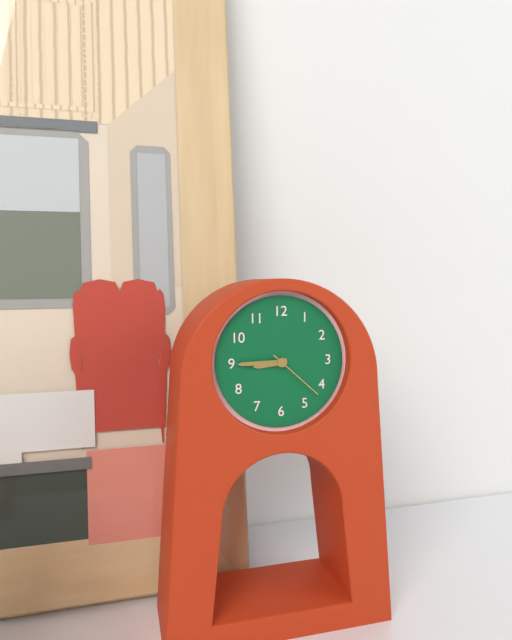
8:45:22
